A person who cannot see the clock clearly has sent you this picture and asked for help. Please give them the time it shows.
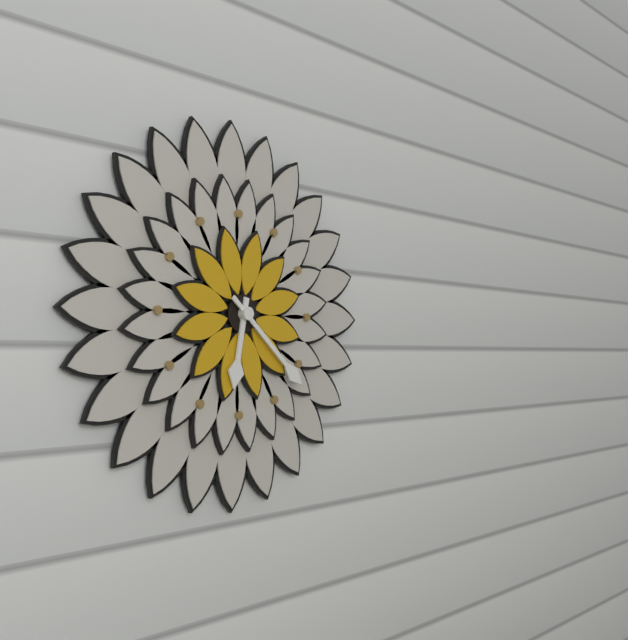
6:22
